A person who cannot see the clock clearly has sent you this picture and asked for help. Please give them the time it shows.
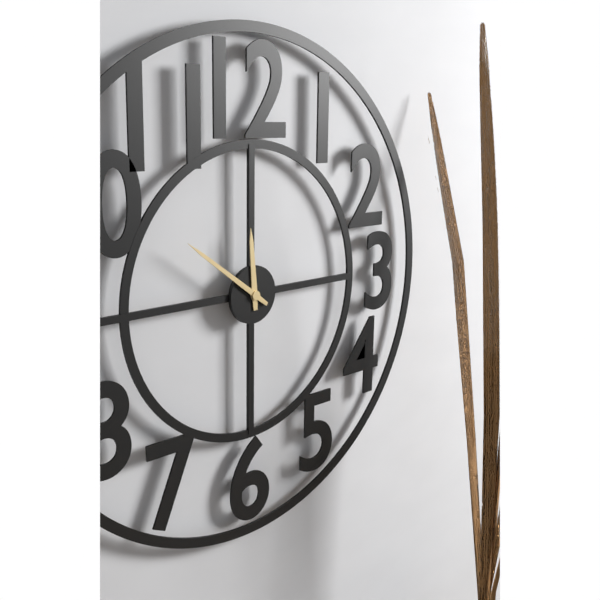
11:51
